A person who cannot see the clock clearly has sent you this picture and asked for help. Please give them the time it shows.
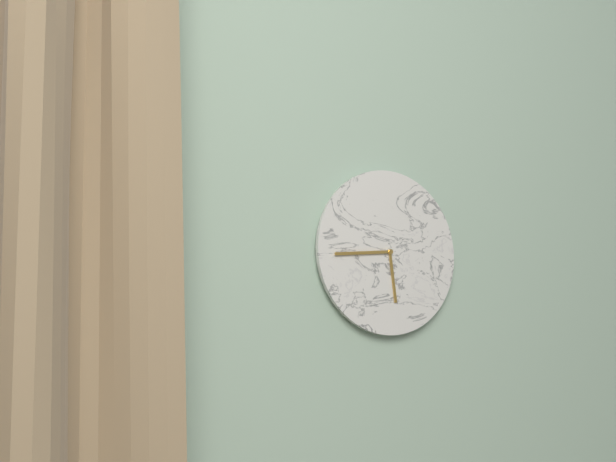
5:44
